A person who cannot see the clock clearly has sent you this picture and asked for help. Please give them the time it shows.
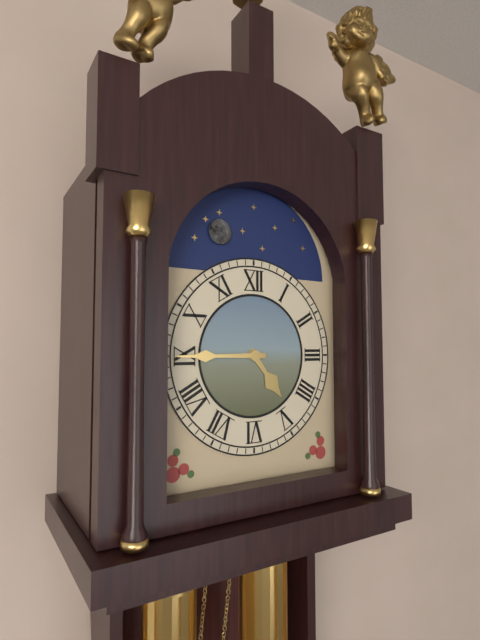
4:45
